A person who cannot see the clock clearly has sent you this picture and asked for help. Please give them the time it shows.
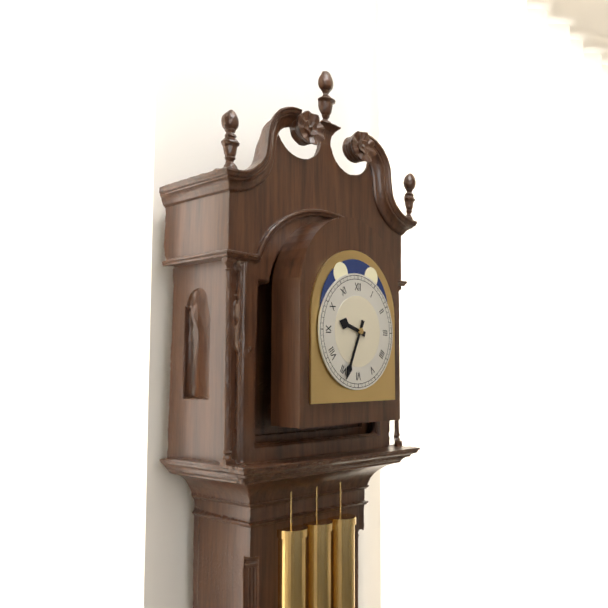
9:34
